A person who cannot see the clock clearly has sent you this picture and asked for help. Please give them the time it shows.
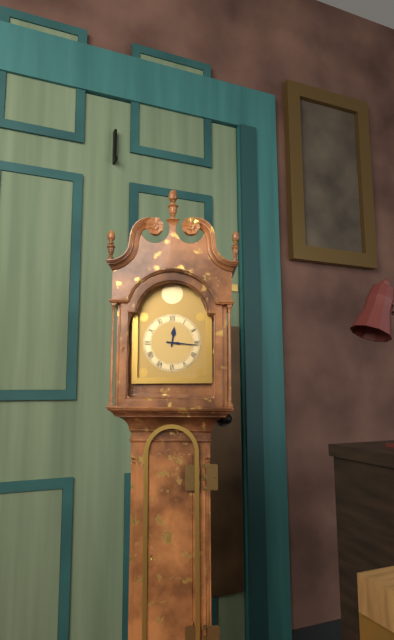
12:16
